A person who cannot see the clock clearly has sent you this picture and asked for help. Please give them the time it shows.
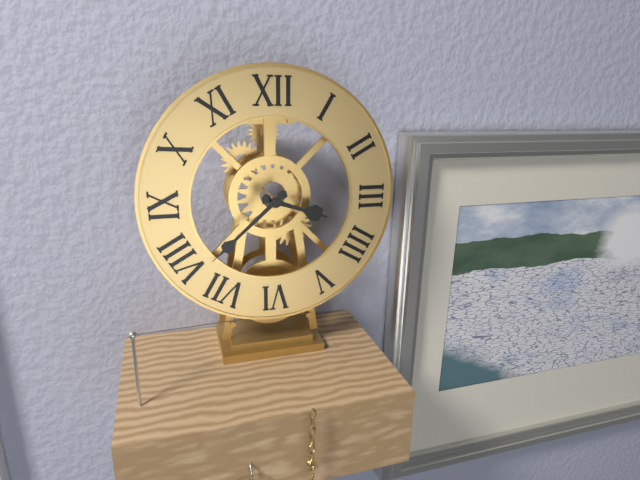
3:38
